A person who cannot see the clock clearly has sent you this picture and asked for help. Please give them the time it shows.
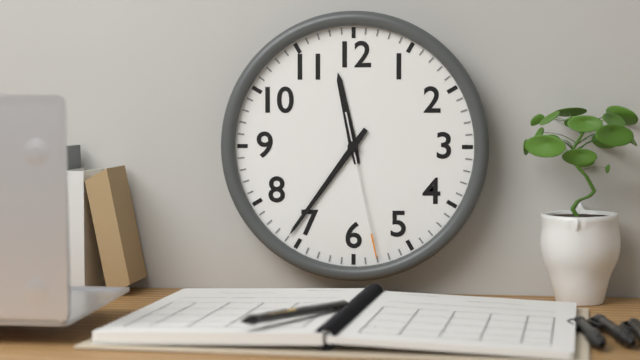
11:36:28
